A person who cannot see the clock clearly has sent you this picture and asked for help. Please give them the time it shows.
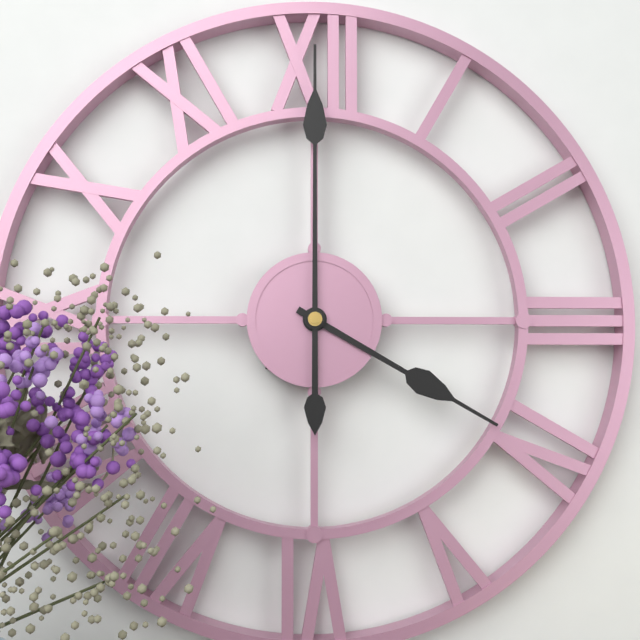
4:00
